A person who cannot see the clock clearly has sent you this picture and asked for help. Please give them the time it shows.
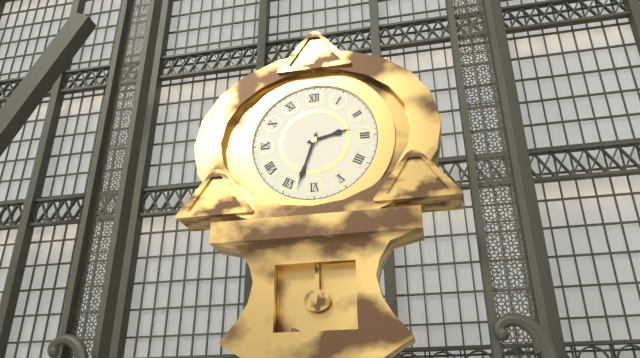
2:33
